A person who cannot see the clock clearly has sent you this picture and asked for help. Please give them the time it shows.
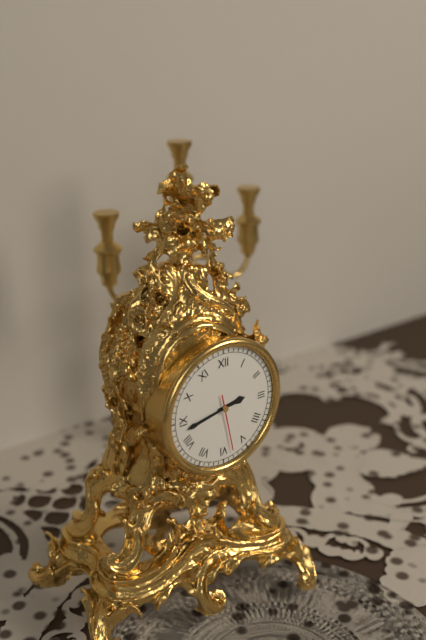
2:43:28
